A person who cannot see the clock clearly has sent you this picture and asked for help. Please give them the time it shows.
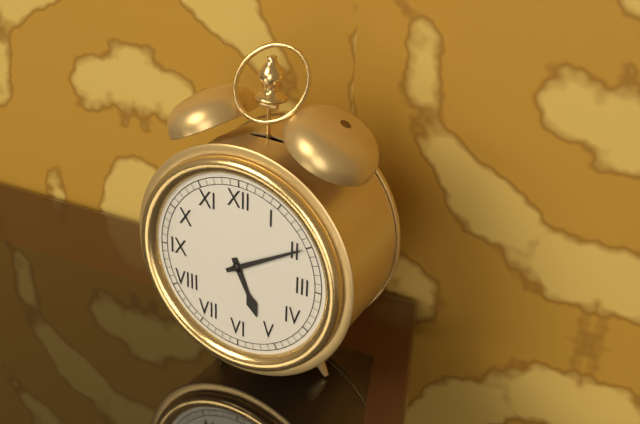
5:10
